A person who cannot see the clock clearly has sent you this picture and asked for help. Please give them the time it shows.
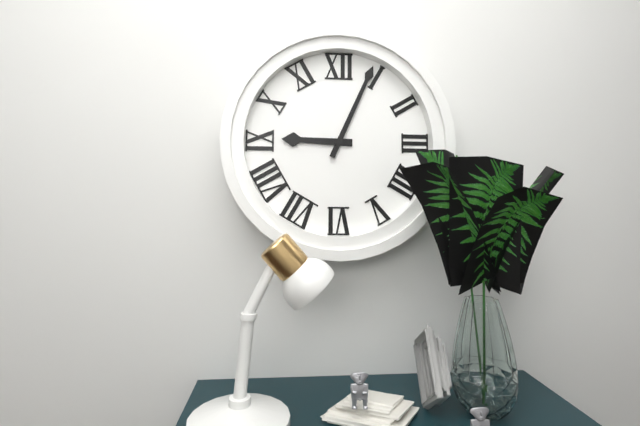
9:04
